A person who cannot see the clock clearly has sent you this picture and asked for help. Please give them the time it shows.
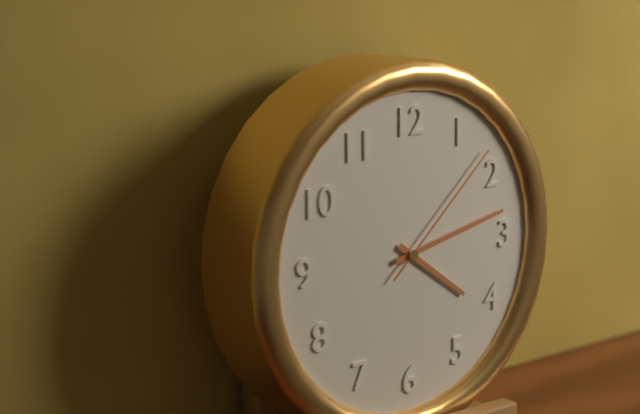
4:13:08
